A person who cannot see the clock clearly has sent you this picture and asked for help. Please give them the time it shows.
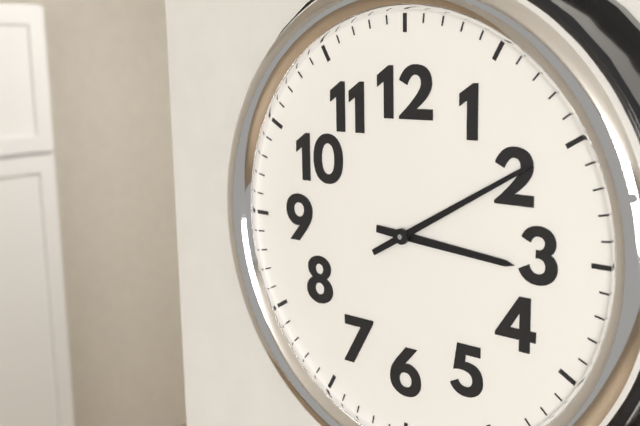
3:10
